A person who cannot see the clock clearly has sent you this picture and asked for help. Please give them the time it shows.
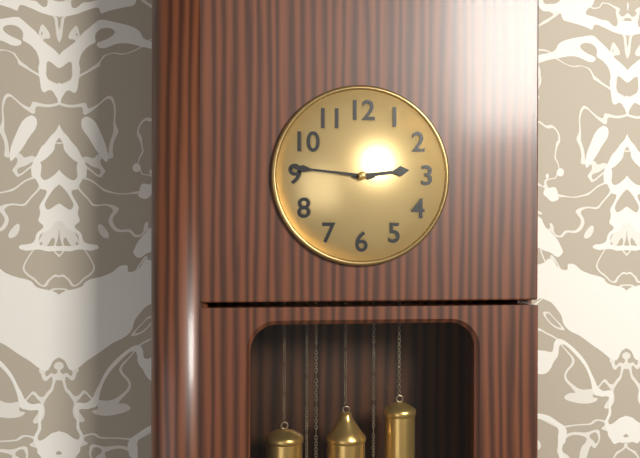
2:46
